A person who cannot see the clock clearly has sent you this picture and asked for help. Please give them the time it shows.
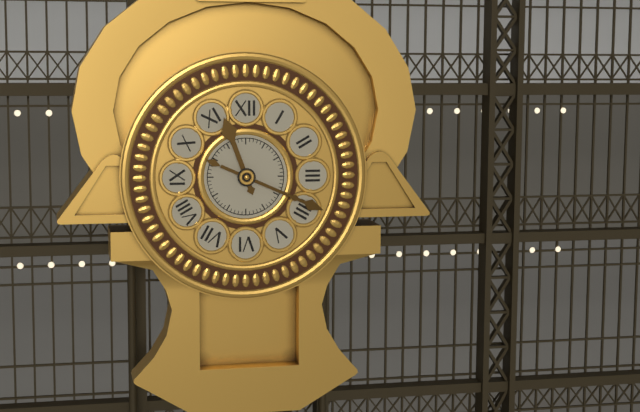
11:19
